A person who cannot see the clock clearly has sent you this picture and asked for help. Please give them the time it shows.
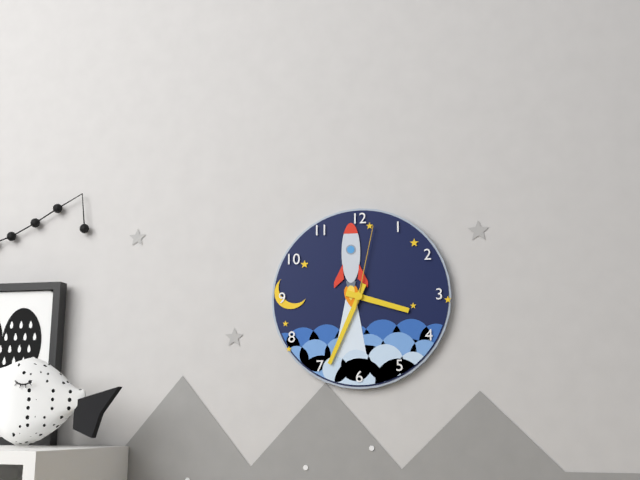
3:34:02
